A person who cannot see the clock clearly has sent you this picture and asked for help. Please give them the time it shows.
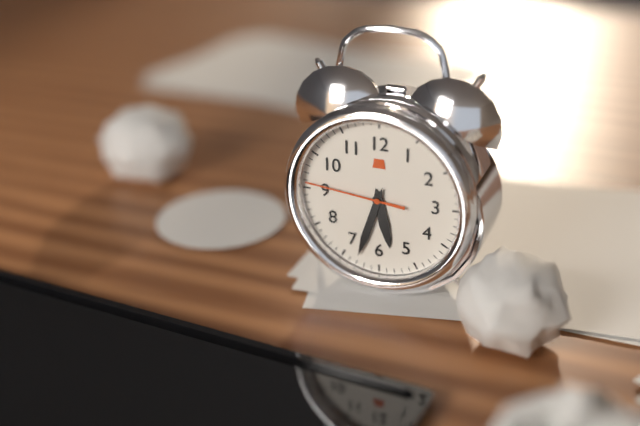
5:33:46
